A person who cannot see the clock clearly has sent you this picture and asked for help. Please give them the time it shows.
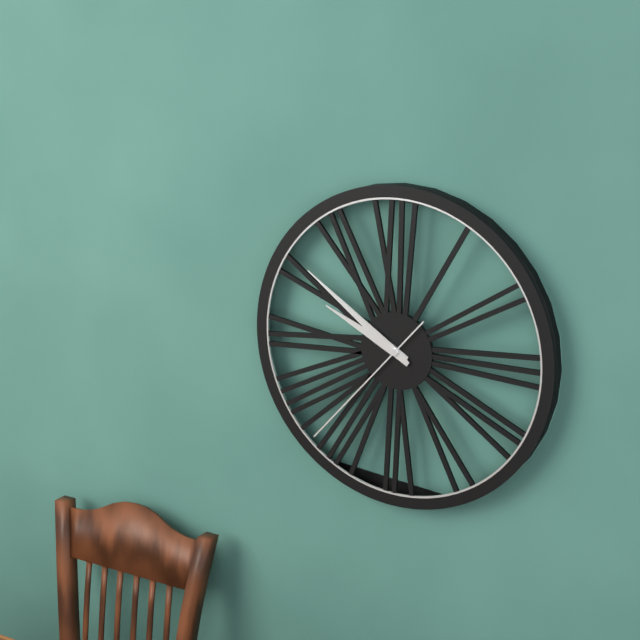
9:51:37
